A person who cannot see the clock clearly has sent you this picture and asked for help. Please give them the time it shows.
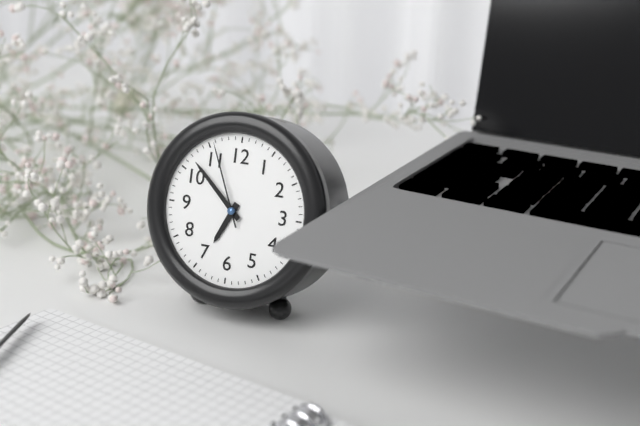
6:52:56
